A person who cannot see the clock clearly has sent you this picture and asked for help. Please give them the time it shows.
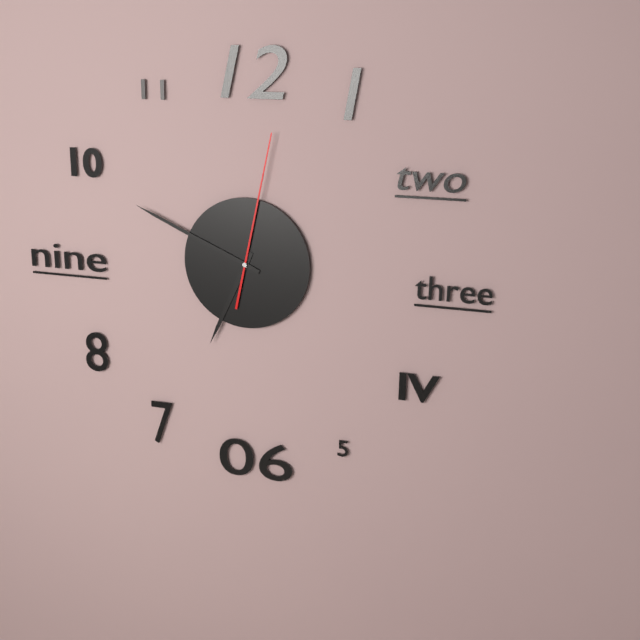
6:49:02
